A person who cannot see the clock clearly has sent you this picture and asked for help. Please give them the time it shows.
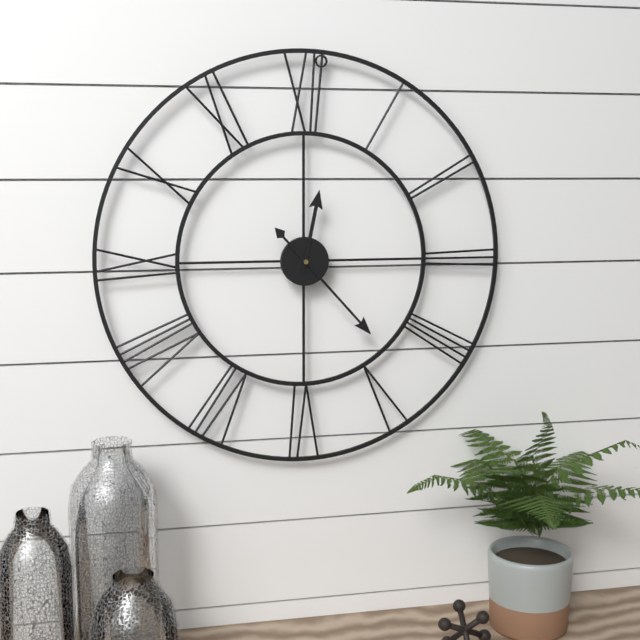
12:23
